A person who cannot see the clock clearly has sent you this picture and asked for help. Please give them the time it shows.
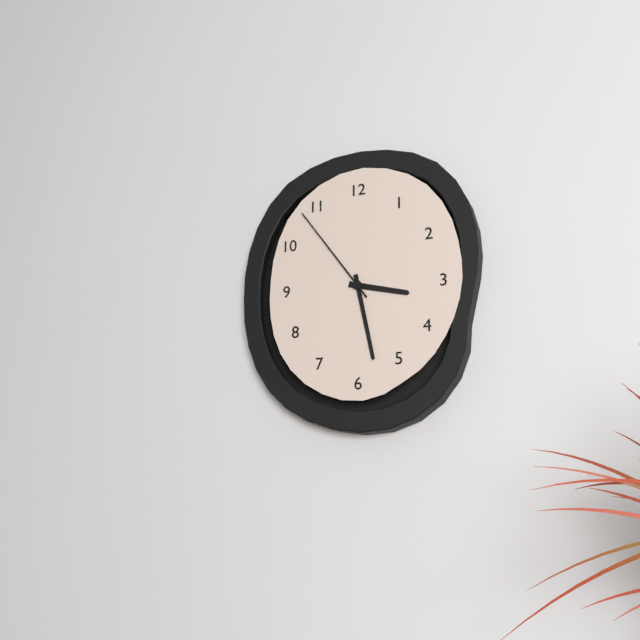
3:28:54
